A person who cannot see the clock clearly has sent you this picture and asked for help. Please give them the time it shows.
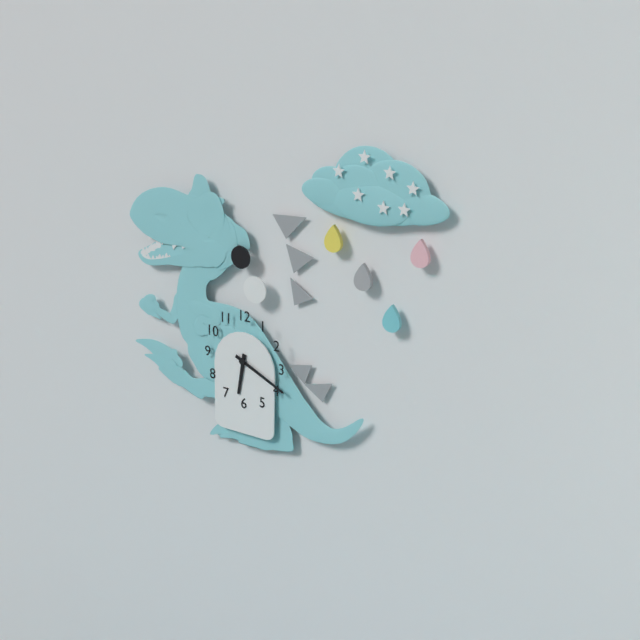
6:19
